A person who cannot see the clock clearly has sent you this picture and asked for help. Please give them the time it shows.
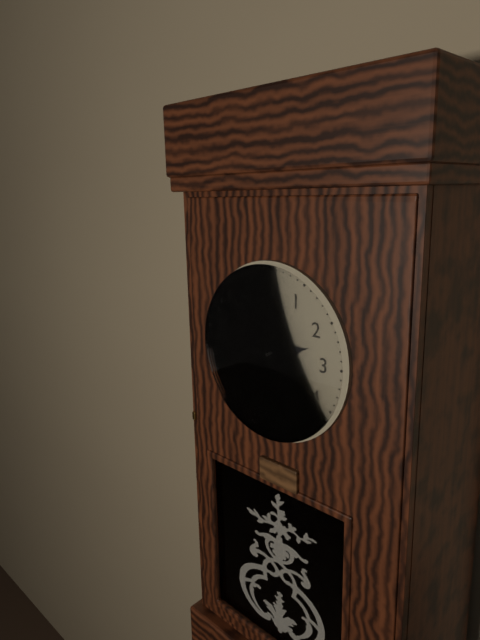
2:27
